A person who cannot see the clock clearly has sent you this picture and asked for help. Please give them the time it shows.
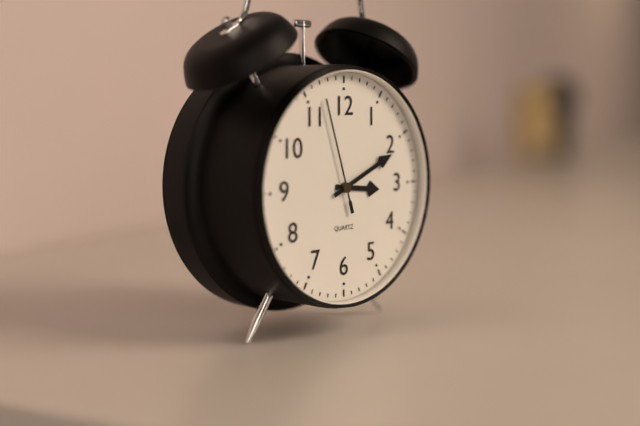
3:11:57
